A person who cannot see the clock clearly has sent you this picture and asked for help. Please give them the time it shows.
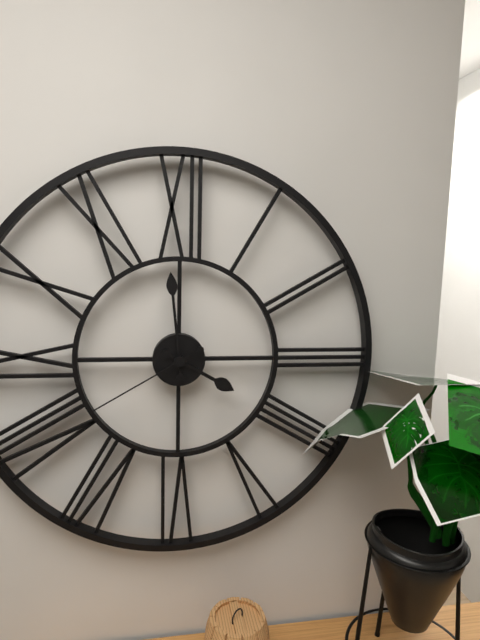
3:59:40
